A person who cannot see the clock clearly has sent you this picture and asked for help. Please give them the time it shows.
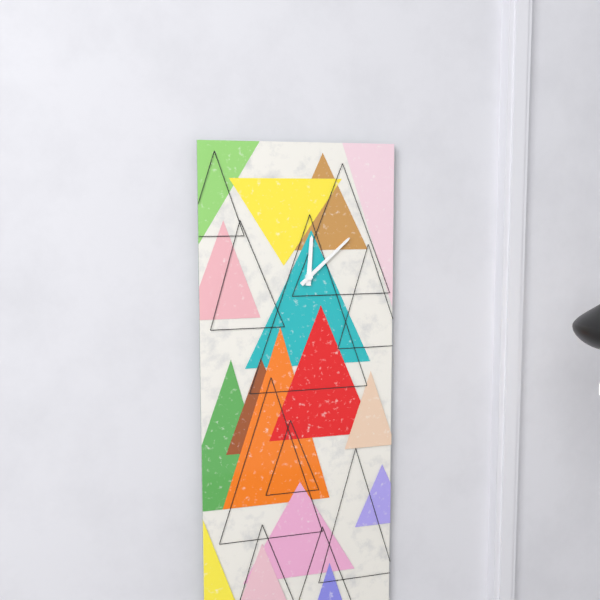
12:08
